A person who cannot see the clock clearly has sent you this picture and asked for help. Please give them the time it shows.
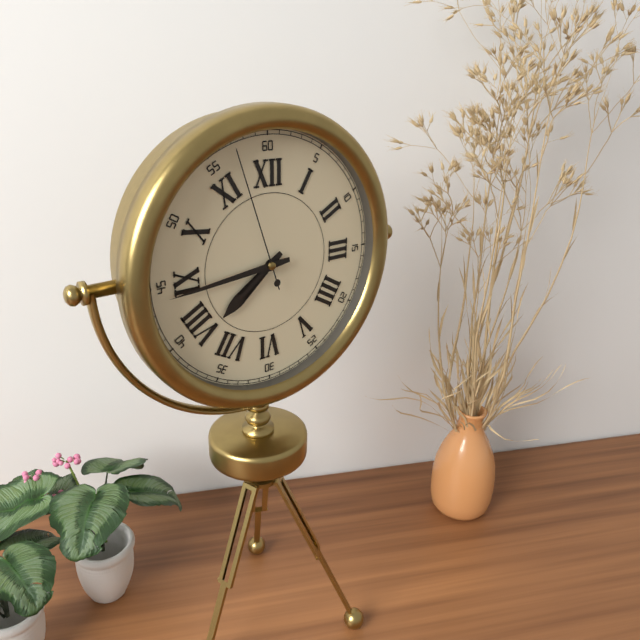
7:44:57
